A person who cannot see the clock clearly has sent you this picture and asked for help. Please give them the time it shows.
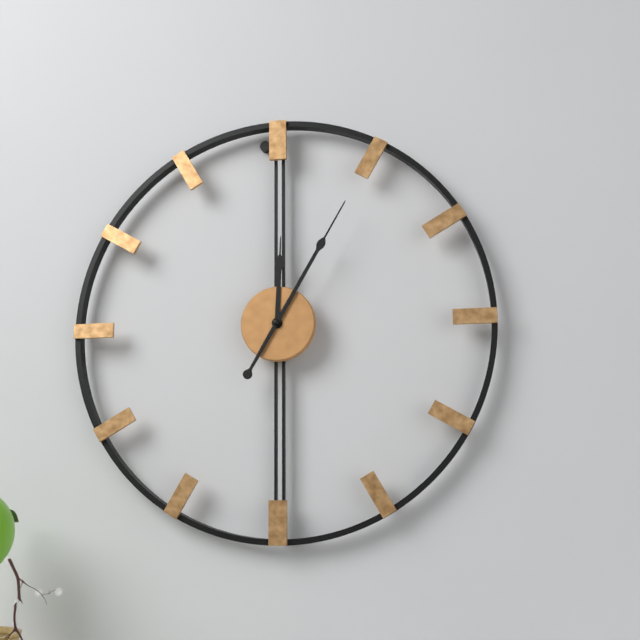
12:05
